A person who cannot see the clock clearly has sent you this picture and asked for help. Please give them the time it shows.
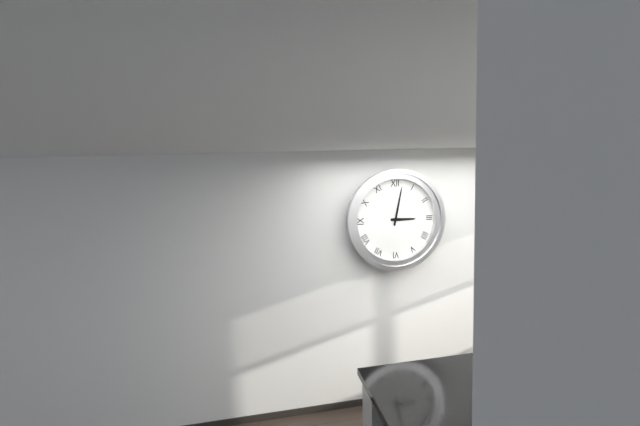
3:02
